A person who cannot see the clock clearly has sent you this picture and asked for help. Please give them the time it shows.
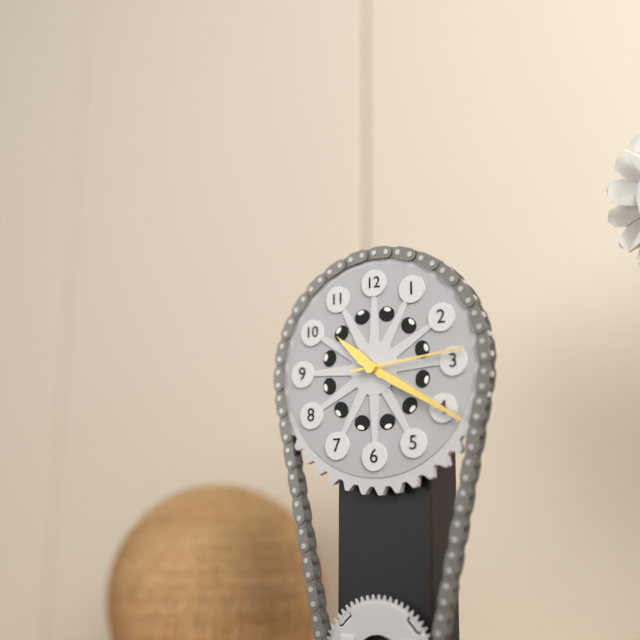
10:20:14
